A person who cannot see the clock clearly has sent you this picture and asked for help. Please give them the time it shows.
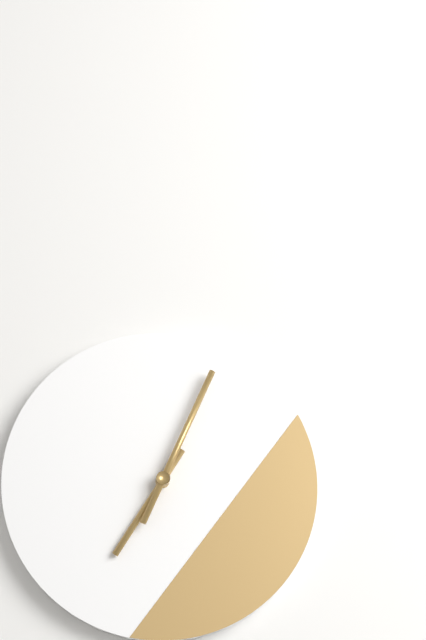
7:04
